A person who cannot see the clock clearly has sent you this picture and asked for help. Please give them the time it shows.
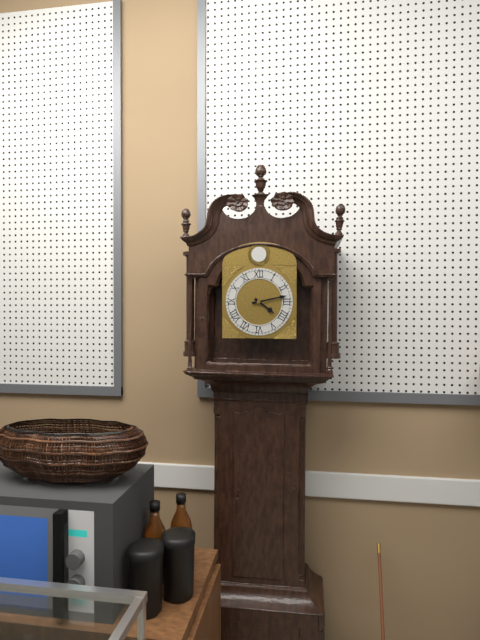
4:13
